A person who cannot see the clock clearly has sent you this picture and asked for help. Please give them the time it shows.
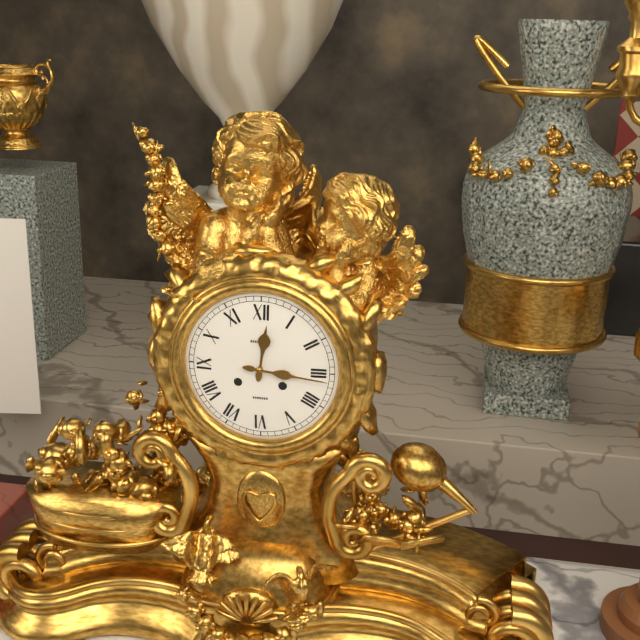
12:16
